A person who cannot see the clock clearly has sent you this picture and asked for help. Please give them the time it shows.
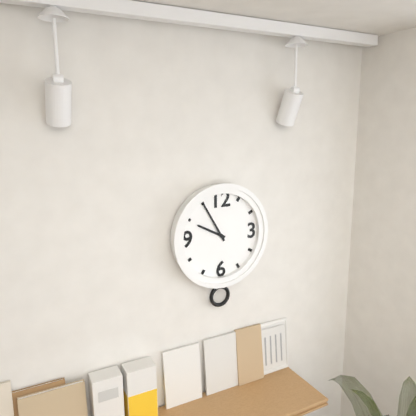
9:55
